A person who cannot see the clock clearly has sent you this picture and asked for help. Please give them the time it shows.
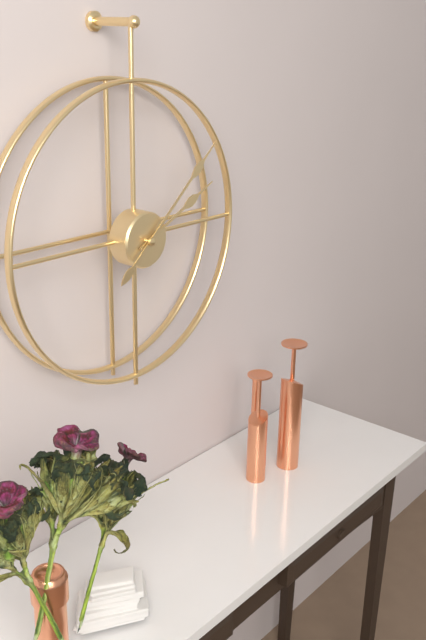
2:08
